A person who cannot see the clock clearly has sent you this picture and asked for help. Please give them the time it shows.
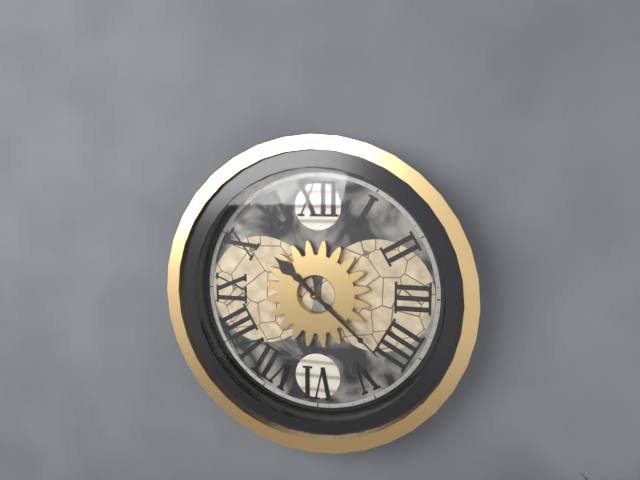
10:22
